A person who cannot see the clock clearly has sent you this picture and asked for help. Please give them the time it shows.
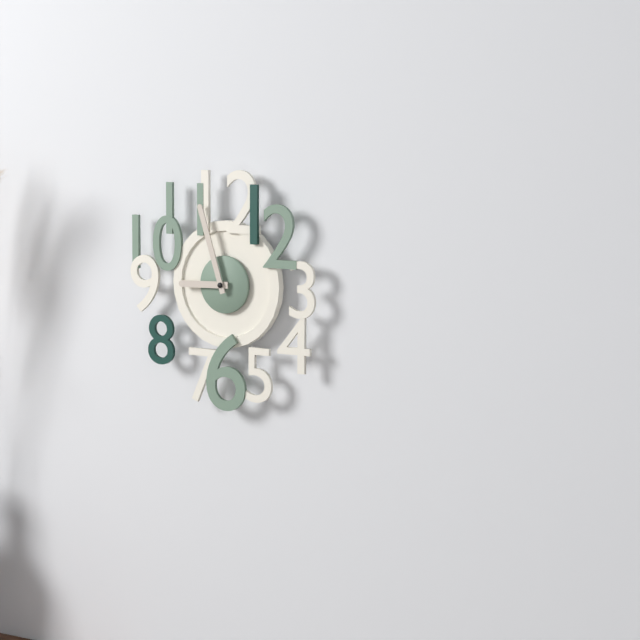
8:57
